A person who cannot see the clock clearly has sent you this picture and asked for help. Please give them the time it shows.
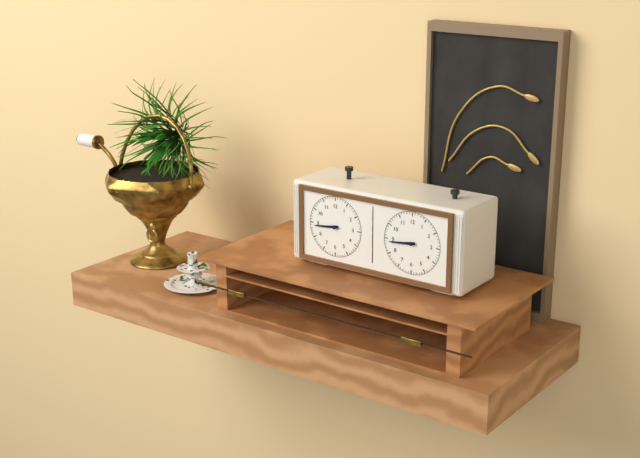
8:44
